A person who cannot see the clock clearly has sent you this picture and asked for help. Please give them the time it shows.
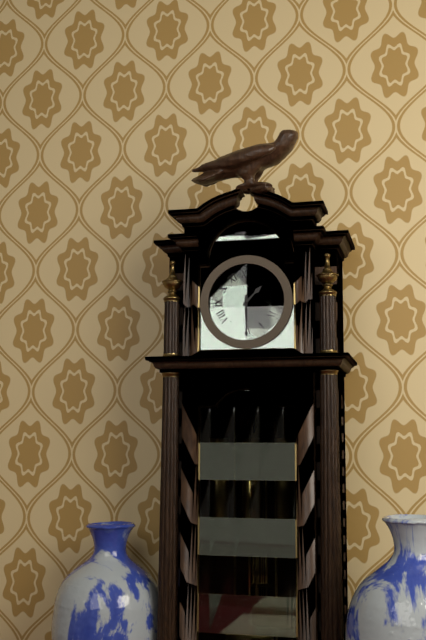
1:30
